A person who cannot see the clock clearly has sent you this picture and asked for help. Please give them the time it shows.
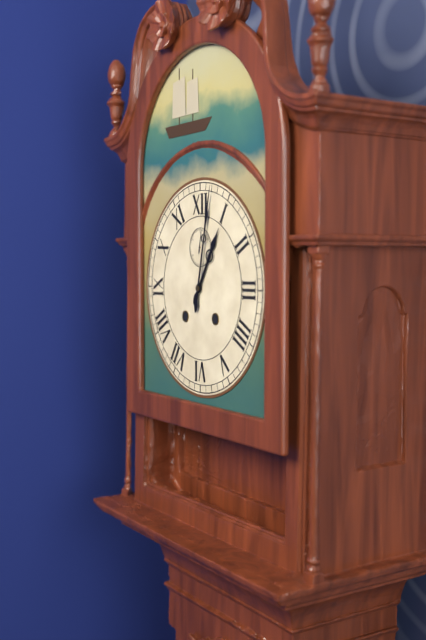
1:02
